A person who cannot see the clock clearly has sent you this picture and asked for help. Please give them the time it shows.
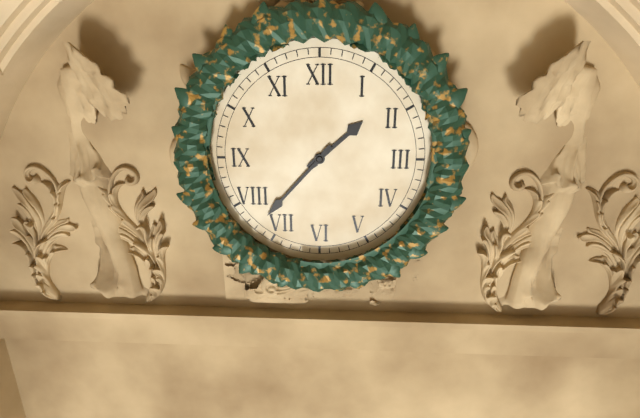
1:37
